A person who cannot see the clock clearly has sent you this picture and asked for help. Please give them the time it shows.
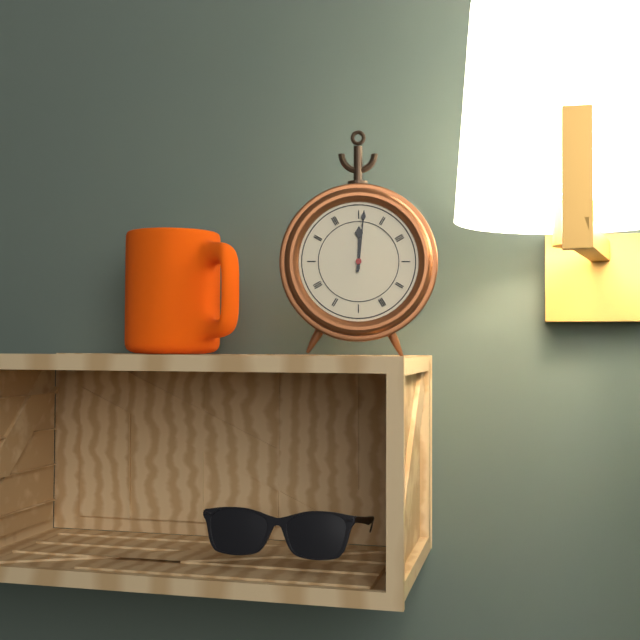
12:01
